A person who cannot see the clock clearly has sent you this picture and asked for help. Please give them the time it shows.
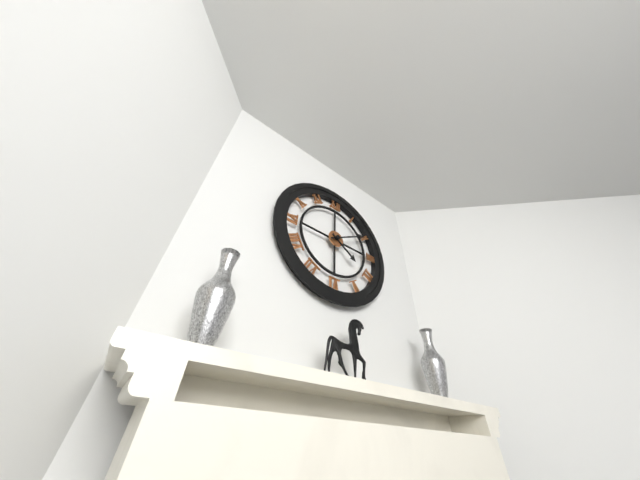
4:10
